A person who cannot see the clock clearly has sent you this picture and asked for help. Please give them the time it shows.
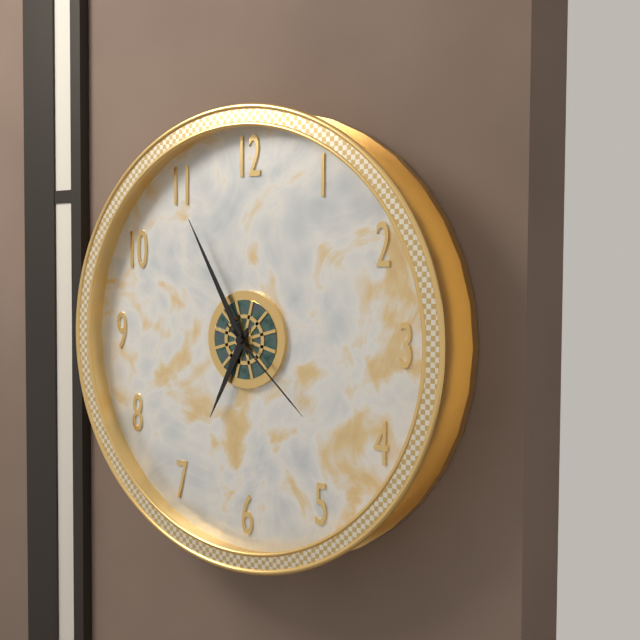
6:55:22
